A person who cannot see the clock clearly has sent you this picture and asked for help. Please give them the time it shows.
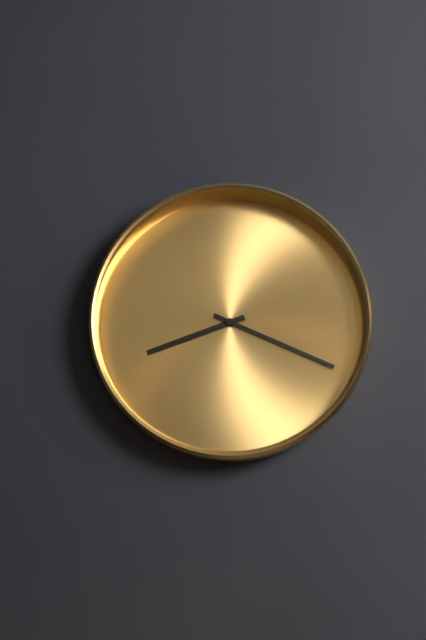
8:19
